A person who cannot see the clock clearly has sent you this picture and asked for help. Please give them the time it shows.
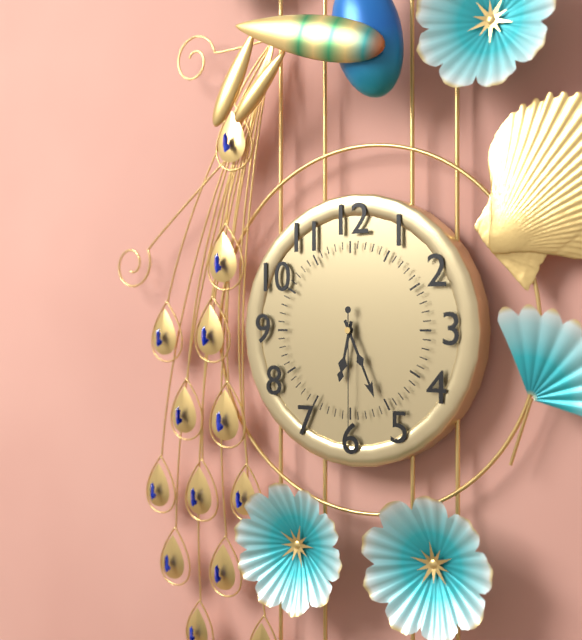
6:26:30
